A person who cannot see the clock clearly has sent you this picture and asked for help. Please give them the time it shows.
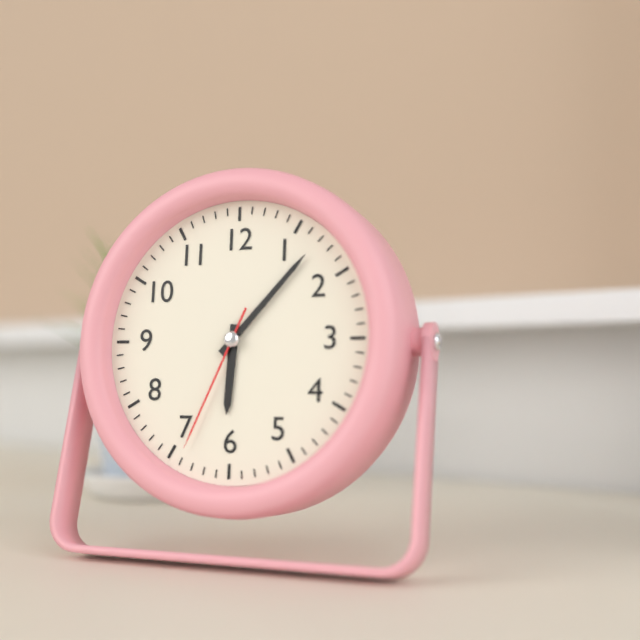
6:07:34
